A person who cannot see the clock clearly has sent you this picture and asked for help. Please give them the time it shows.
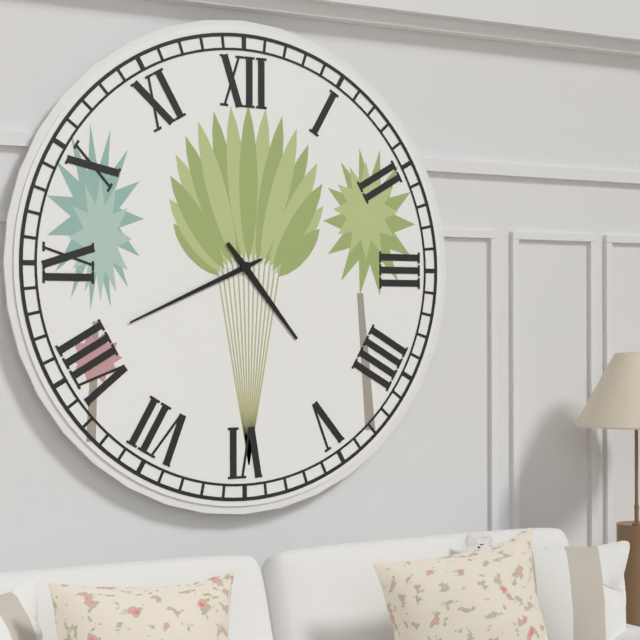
4:41
